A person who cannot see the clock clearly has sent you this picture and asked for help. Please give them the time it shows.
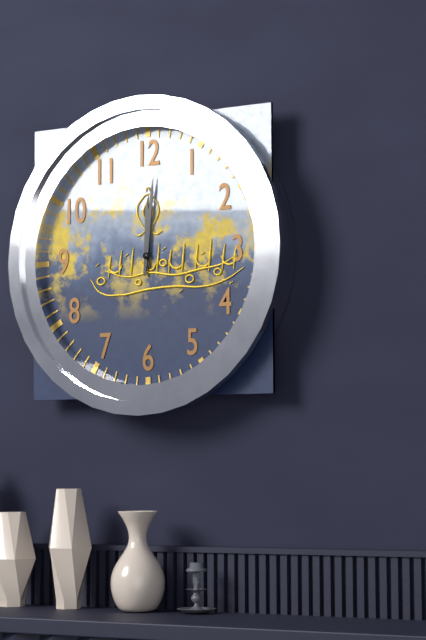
12:01
